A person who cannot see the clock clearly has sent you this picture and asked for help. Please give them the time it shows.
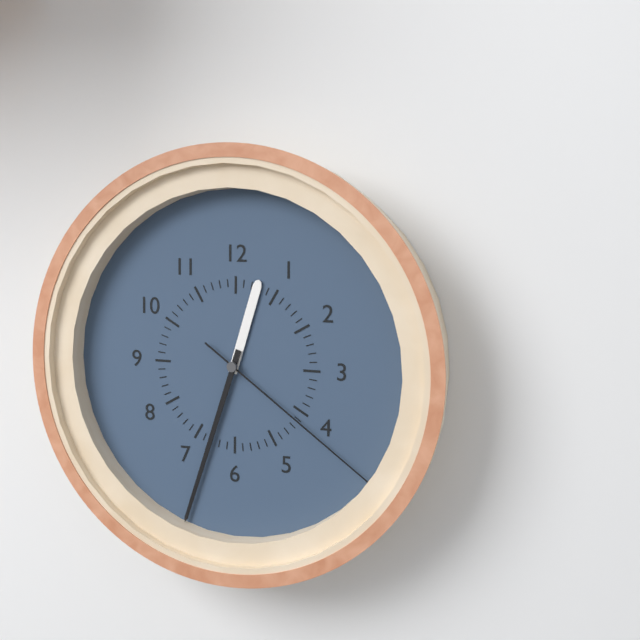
12:33:21
